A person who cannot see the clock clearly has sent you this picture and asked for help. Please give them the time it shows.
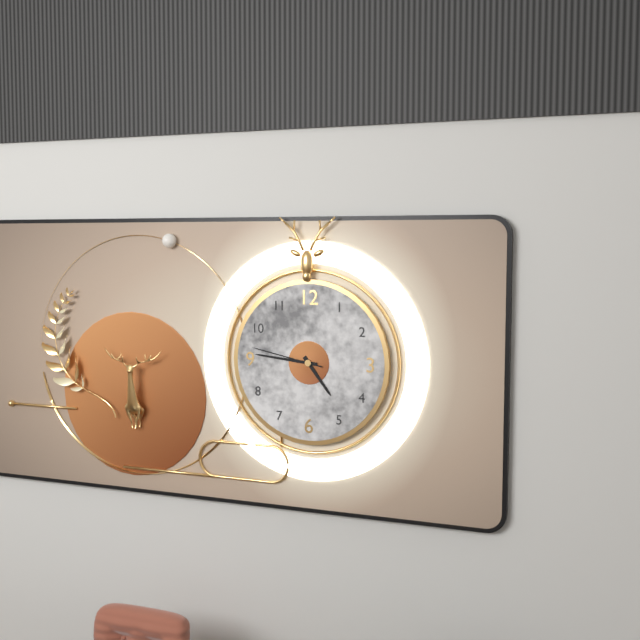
4:46:47
